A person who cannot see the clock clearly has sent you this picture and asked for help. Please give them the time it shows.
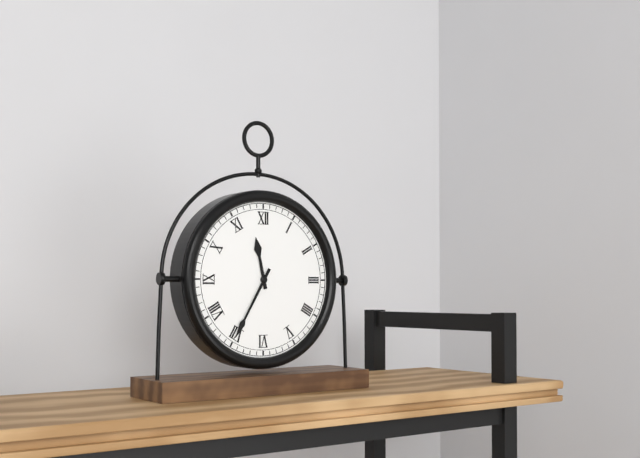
11:35
